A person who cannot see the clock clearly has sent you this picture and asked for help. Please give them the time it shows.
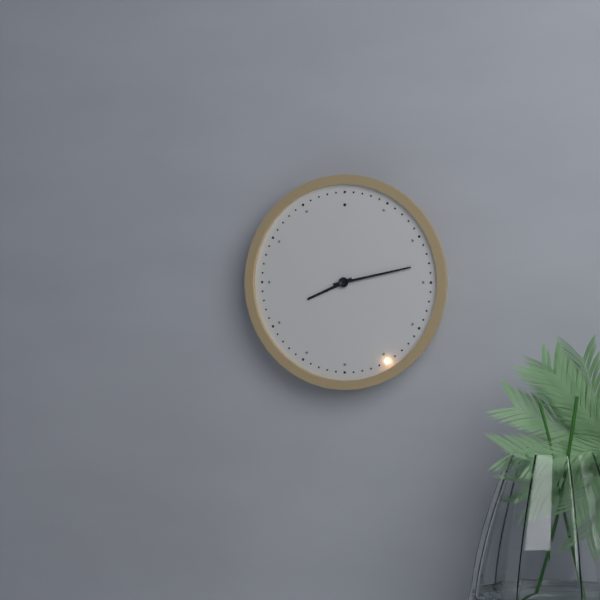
8:13
